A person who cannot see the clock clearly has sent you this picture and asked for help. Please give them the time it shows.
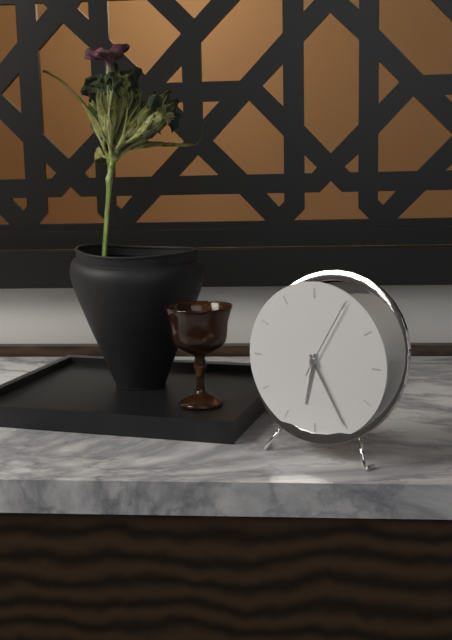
6:25:05
